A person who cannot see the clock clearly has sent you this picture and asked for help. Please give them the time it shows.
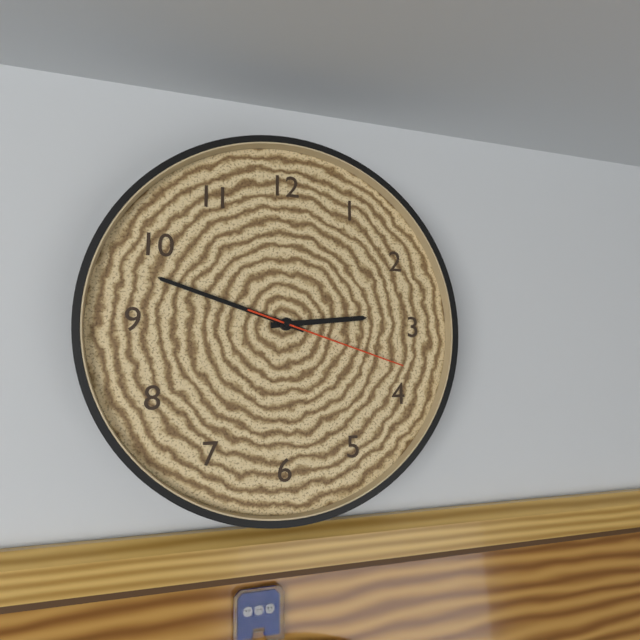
2:48:18
